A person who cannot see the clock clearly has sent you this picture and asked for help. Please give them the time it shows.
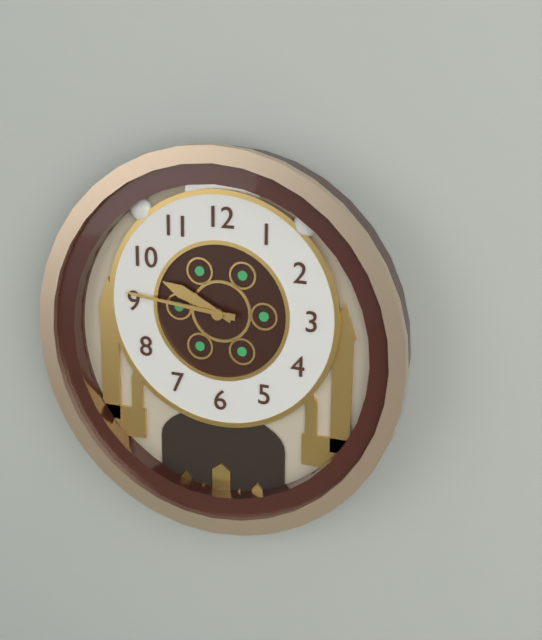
9:46
